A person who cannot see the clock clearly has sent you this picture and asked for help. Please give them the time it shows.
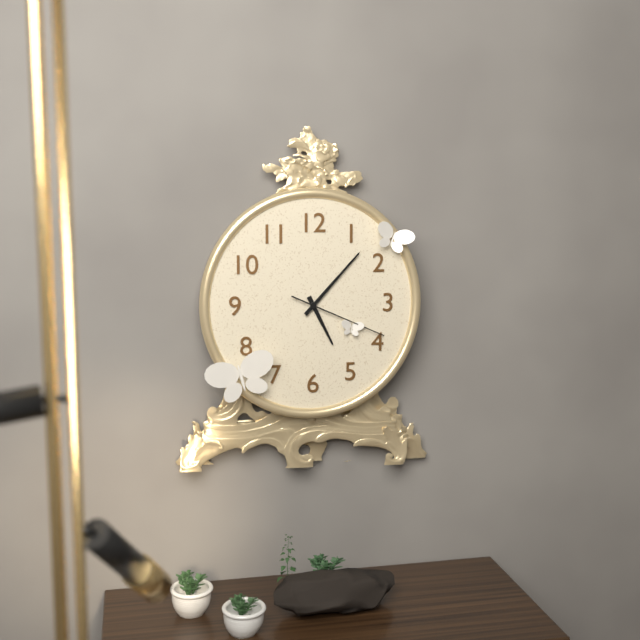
5:07:19
